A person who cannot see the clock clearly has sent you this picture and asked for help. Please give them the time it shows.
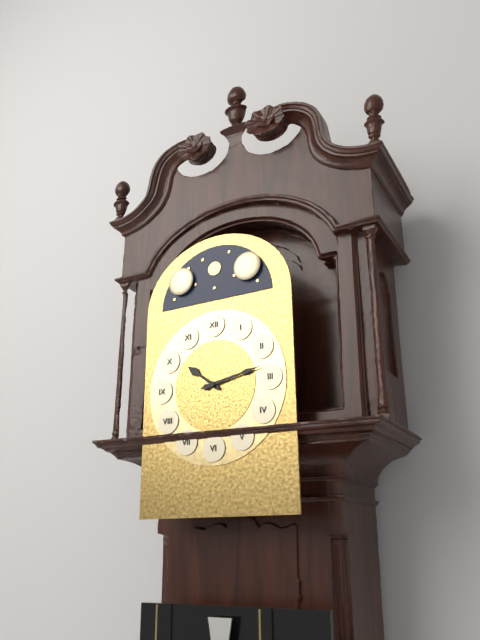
10:13
